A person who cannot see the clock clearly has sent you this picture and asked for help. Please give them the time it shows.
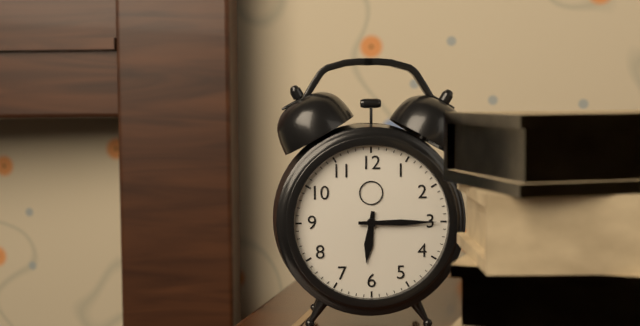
6:15
